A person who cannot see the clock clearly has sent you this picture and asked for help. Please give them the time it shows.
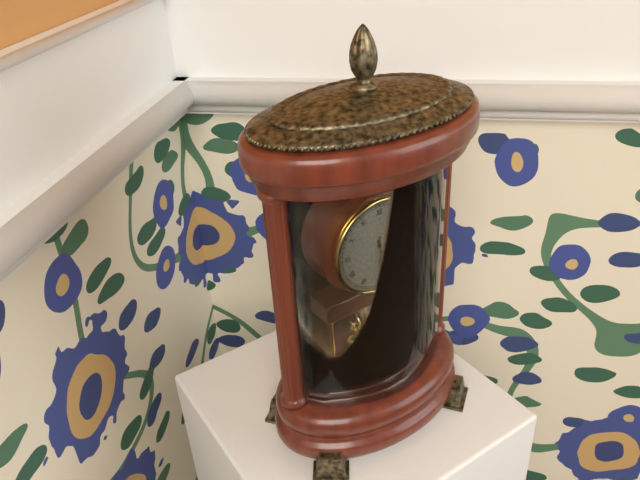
5:30
